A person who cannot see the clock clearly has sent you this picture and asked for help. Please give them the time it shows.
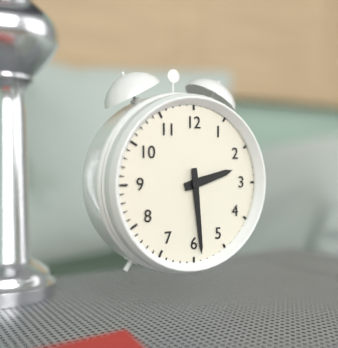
2:29
